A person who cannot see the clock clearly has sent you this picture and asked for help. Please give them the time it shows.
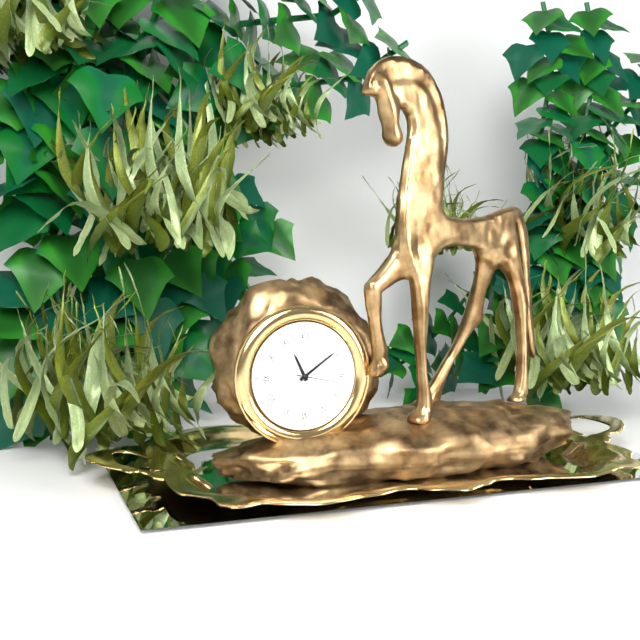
11:09:17
